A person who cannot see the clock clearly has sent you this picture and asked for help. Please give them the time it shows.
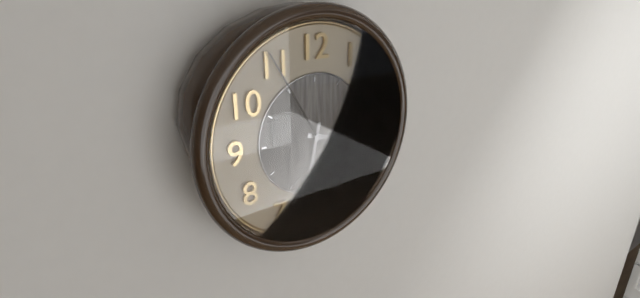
3:32:55
